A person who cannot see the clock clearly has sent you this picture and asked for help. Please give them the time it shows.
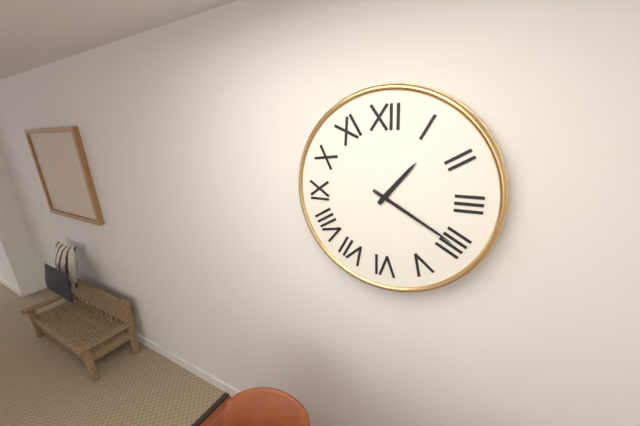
1:20
